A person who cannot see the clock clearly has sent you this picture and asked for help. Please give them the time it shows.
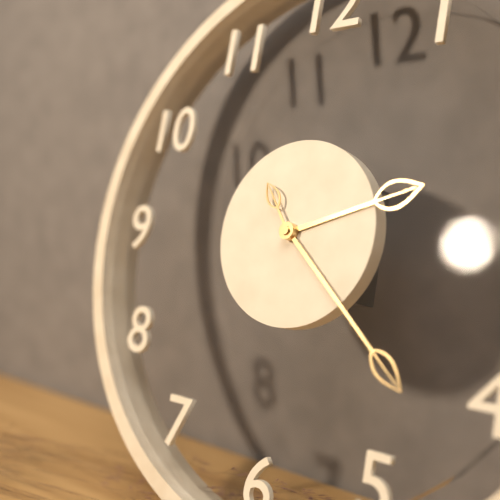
2:22:54
